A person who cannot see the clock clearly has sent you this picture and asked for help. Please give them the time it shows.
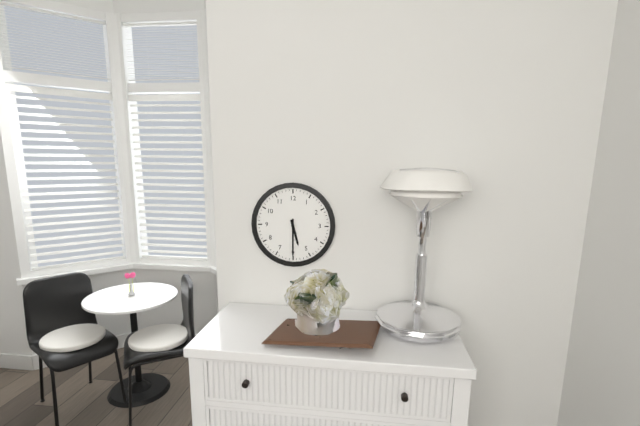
5:30
